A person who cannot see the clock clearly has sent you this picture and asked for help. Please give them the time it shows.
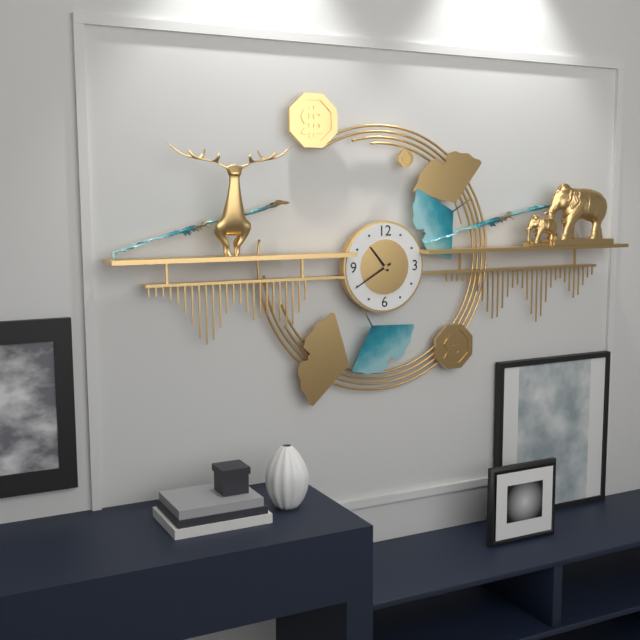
10:40
